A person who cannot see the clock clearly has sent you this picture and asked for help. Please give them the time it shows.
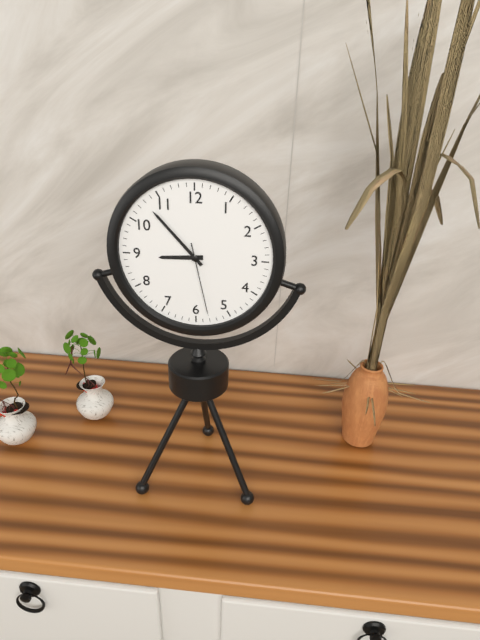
8:53:28
